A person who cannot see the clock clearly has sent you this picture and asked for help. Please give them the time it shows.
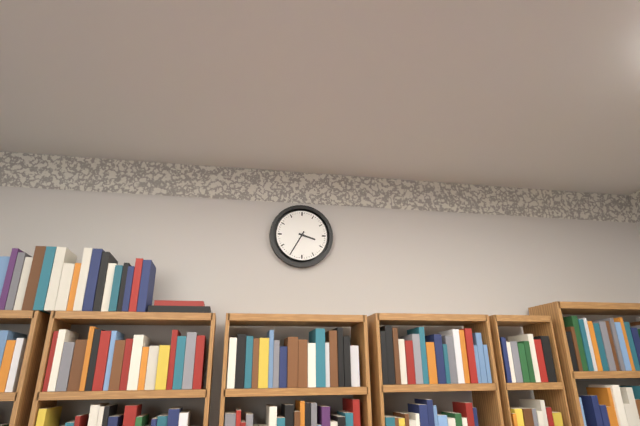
3:35
